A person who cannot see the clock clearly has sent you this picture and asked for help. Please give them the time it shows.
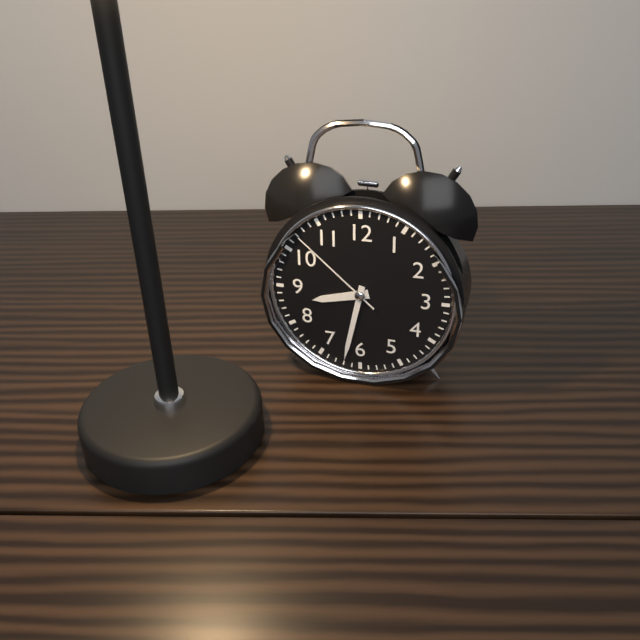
8:32:52
